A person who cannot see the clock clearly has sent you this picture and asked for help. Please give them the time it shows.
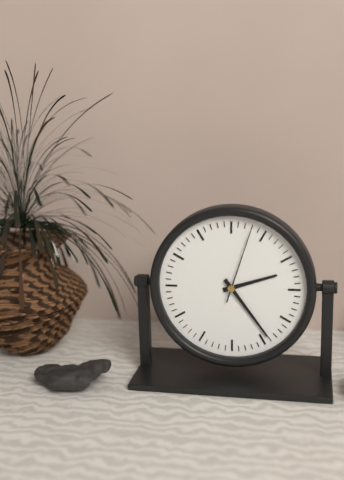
2:24:03
